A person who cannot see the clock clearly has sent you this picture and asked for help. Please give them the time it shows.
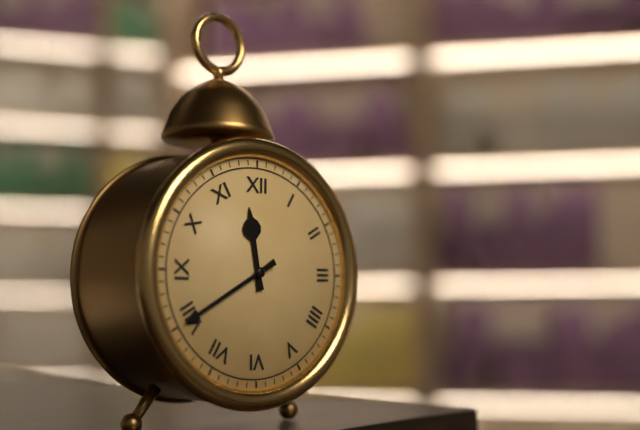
11:40
